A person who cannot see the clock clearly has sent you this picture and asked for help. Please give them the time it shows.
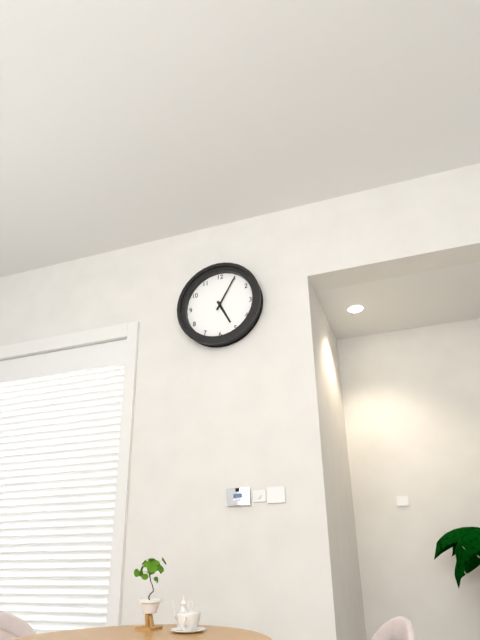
5:05
